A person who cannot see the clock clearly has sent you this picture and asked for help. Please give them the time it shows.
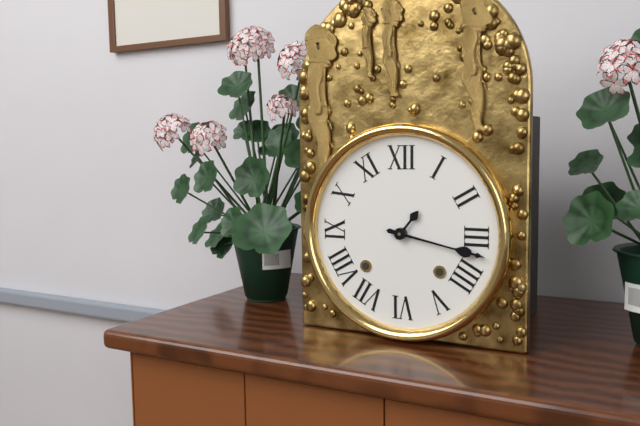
1:17
